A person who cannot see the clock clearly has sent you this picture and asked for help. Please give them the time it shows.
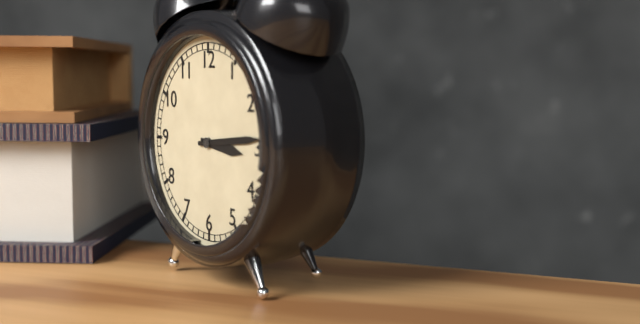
3:14
